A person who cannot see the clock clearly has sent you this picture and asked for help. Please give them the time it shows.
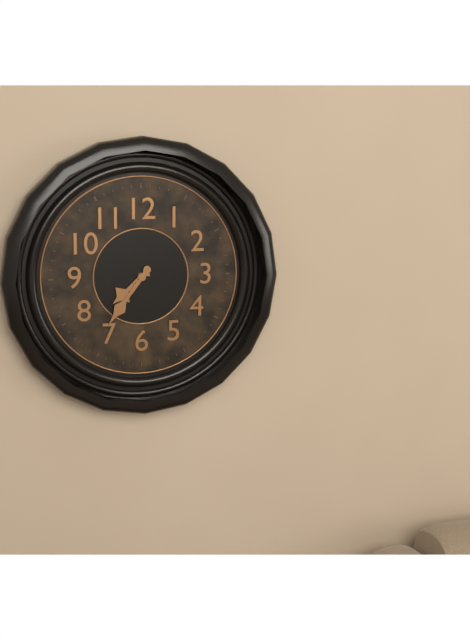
7:36
